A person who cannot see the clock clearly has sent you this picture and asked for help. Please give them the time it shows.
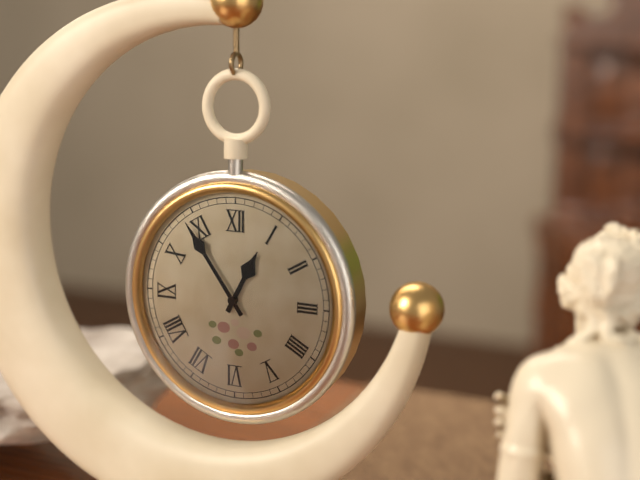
12:54
